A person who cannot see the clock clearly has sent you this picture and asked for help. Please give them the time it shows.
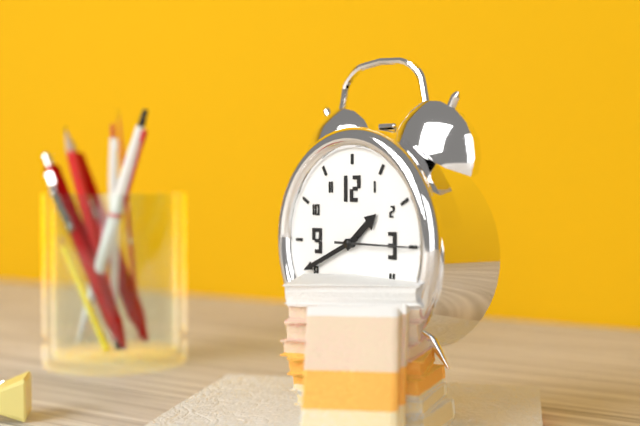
1:41:15
